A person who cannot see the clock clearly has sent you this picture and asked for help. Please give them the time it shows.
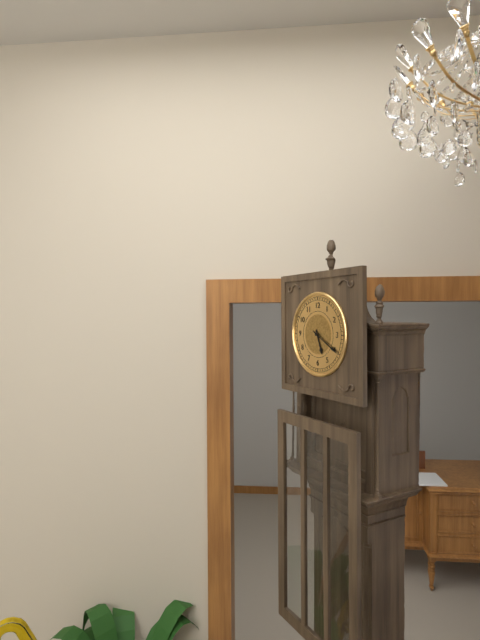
5:20
